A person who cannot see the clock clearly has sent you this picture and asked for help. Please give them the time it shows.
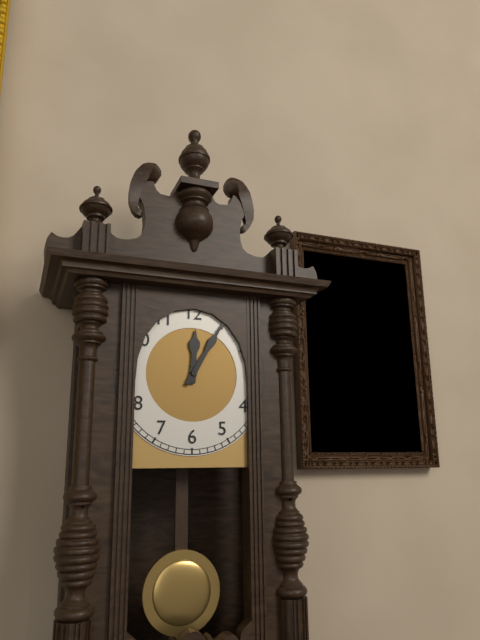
12:05
